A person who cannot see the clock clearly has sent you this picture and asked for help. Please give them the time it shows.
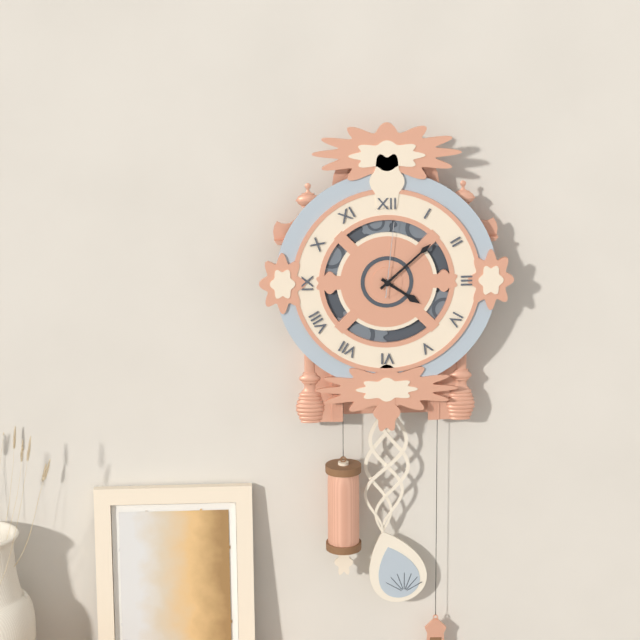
4:08:01
